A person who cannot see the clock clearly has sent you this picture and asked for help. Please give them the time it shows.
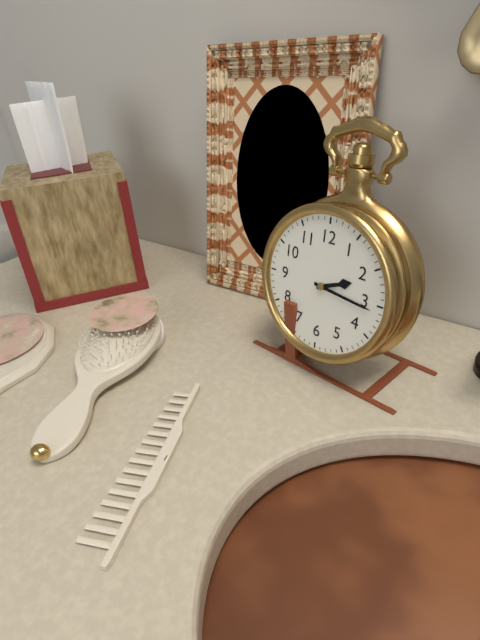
2:16
